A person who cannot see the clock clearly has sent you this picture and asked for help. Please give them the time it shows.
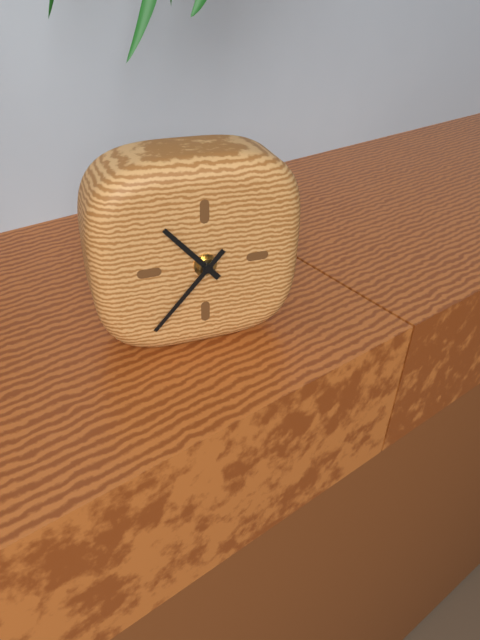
10:37
